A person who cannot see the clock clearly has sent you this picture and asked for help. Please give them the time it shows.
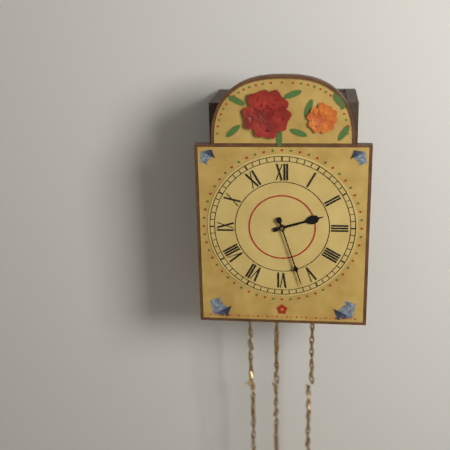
2:27
